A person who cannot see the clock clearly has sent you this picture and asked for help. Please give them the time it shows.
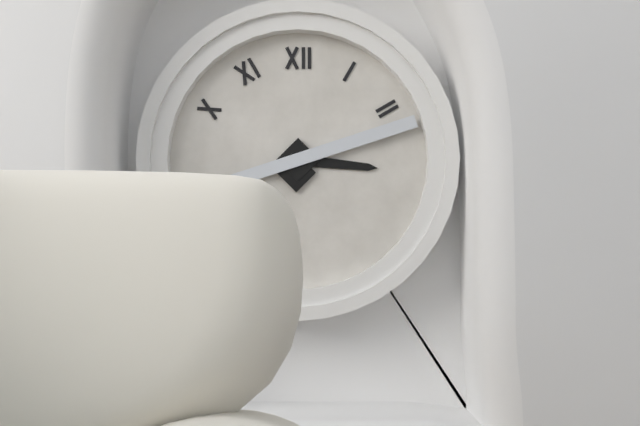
3:12
